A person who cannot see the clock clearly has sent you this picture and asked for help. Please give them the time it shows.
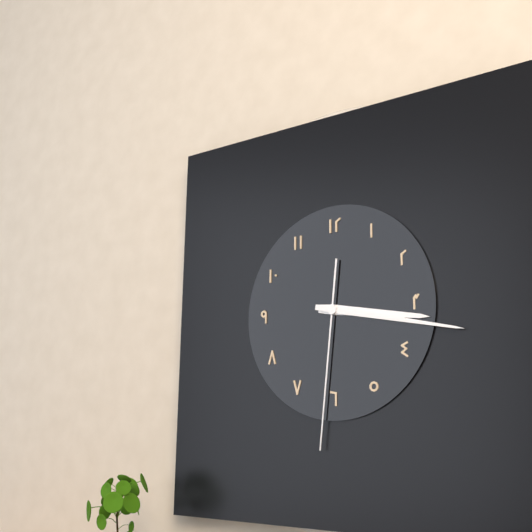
3:17:31
